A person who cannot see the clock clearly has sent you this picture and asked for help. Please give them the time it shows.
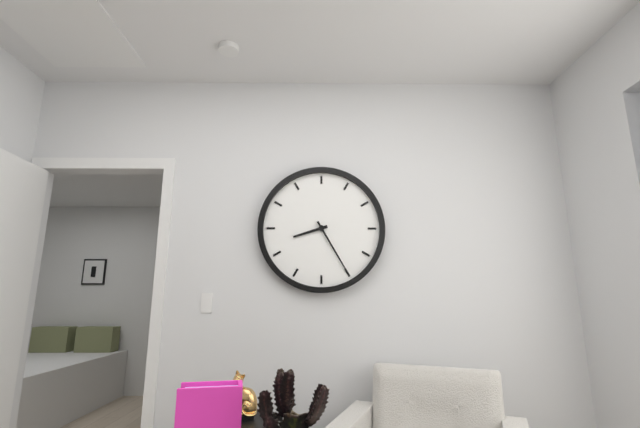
8:25
